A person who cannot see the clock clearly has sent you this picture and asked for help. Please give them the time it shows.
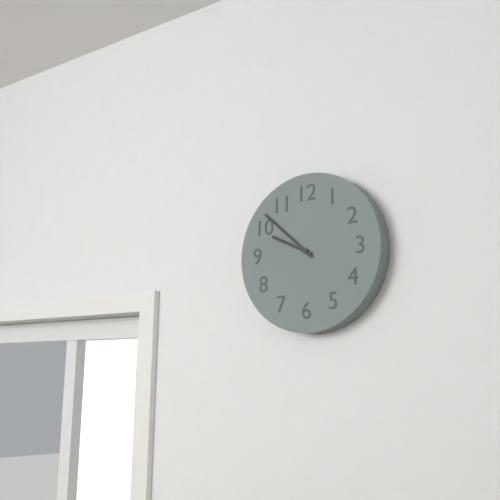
9:52
